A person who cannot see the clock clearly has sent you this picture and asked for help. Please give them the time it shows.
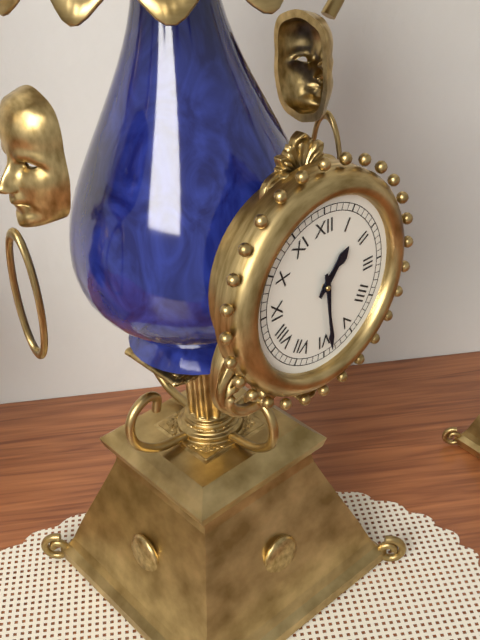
1:29
